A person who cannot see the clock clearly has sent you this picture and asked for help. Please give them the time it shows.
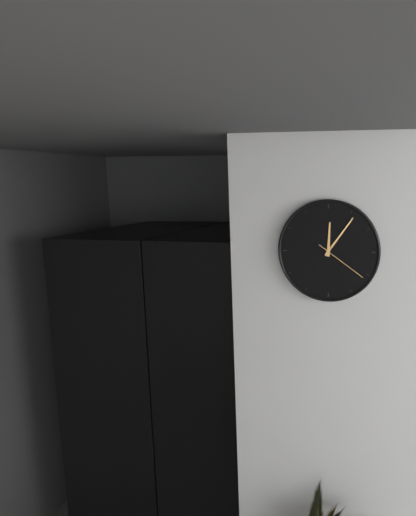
12:06:21
